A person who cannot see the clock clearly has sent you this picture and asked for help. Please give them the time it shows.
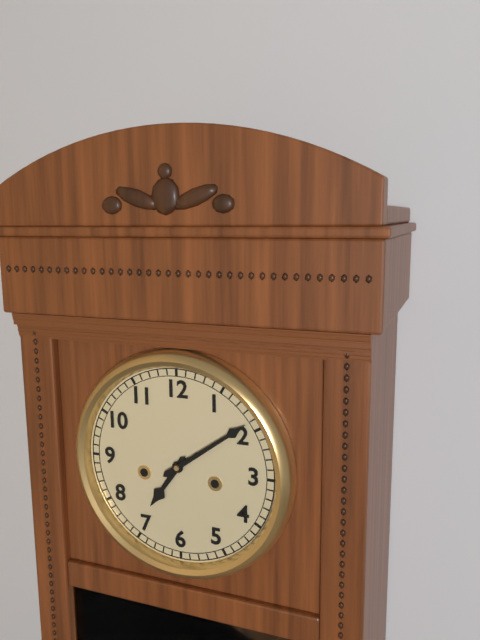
7:09
